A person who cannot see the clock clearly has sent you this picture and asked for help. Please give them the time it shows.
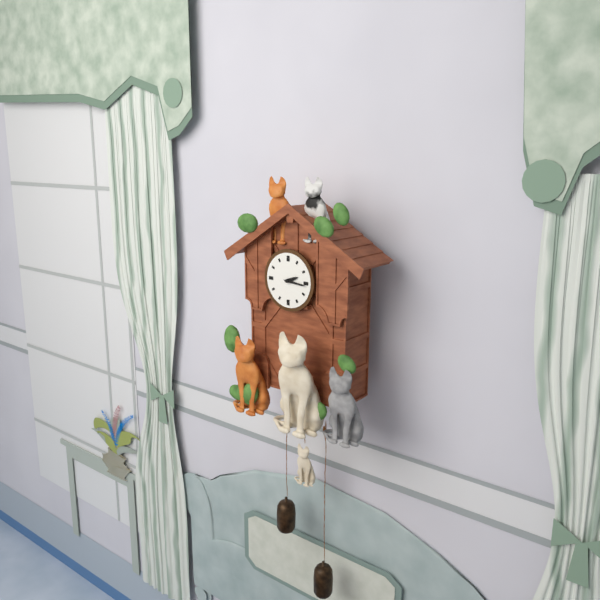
2:16
